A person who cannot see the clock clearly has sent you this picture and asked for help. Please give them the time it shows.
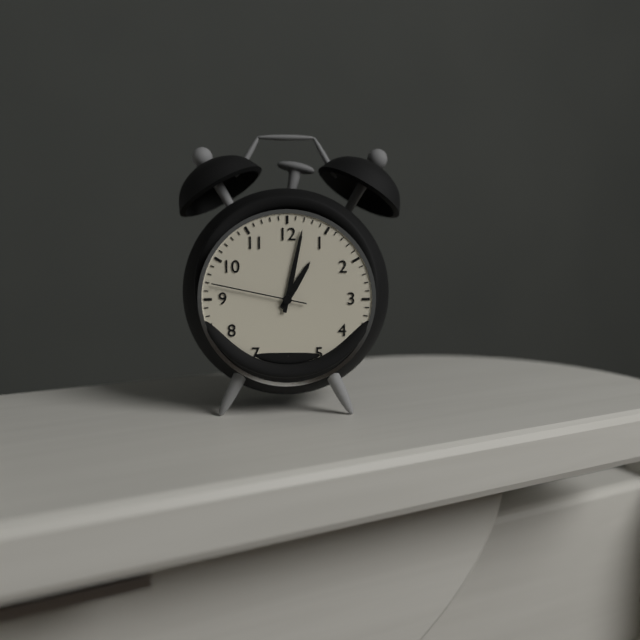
1:02:47
